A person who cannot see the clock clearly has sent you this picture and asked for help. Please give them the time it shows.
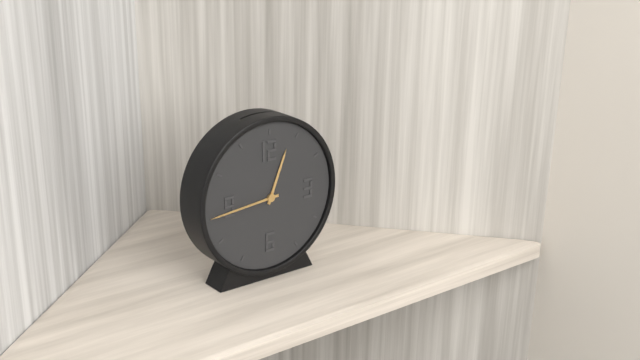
12:44
